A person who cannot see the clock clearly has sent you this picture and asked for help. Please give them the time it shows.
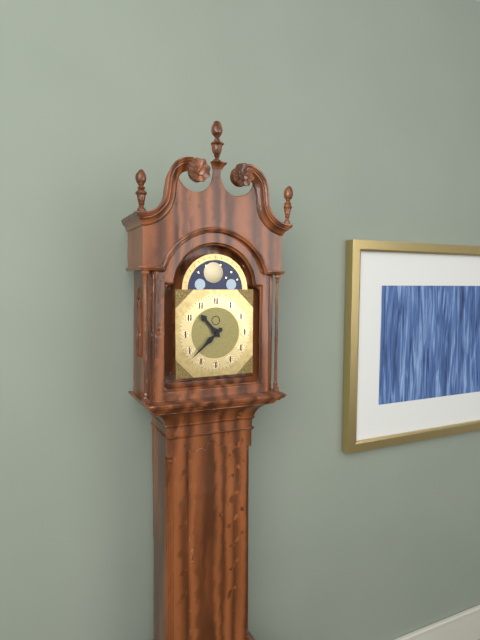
10:38
